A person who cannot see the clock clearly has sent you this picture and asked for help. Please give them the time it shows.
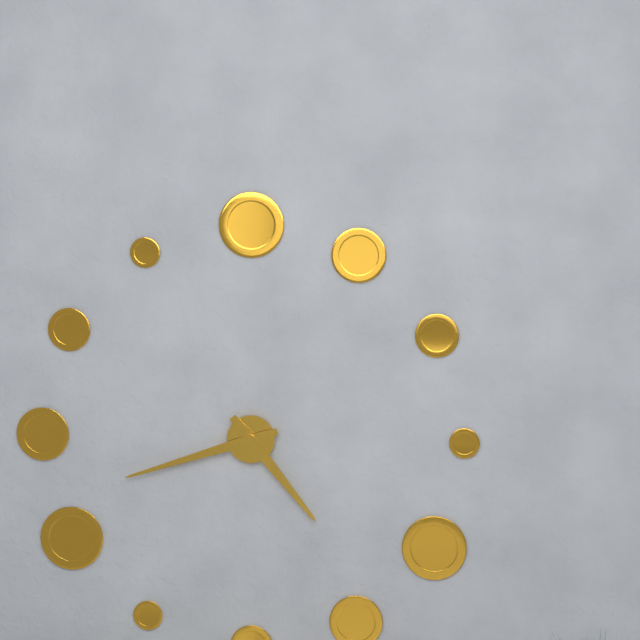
4:42
